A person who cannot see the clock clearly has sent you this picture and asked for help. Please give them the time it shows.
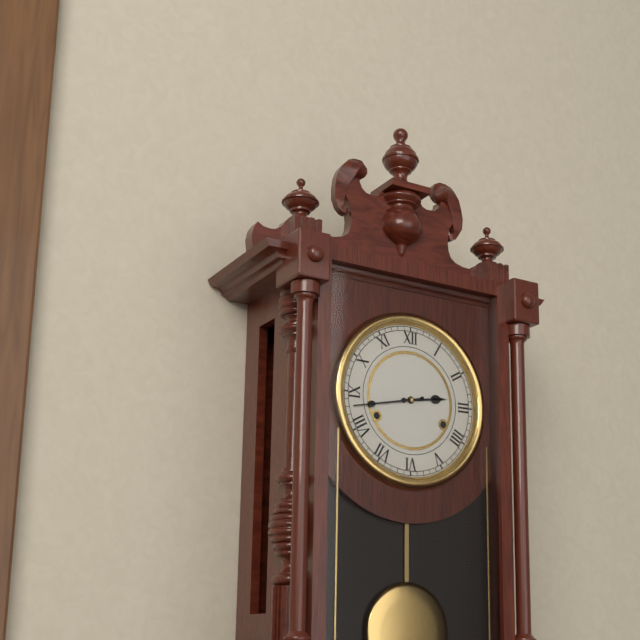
2:43
